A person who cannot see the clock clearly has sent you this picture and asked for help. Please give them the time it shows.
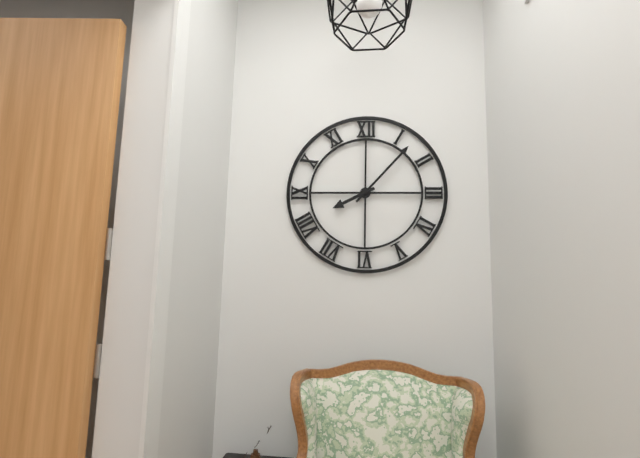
8:07
